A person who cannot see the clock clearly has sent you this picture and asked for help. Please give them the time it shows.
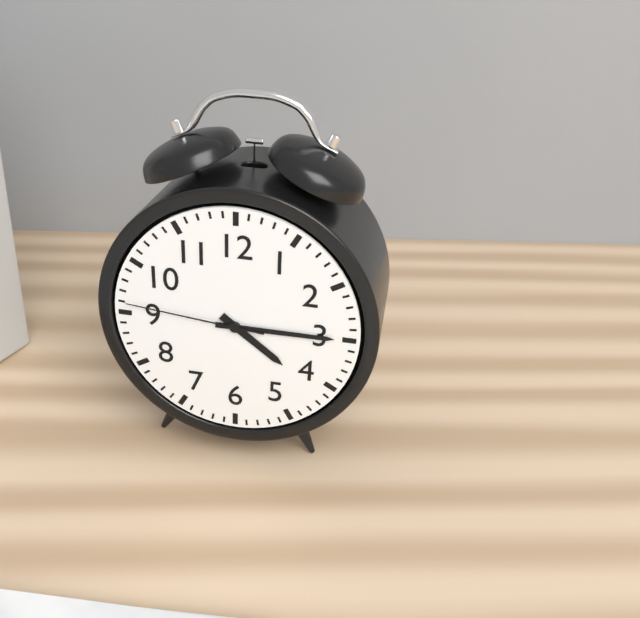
4:15:46
